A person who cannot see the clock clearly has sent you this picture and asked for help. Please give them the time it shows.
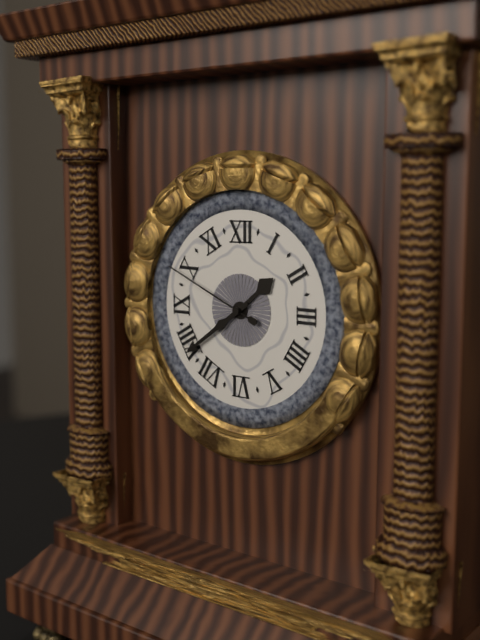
1:39:49
